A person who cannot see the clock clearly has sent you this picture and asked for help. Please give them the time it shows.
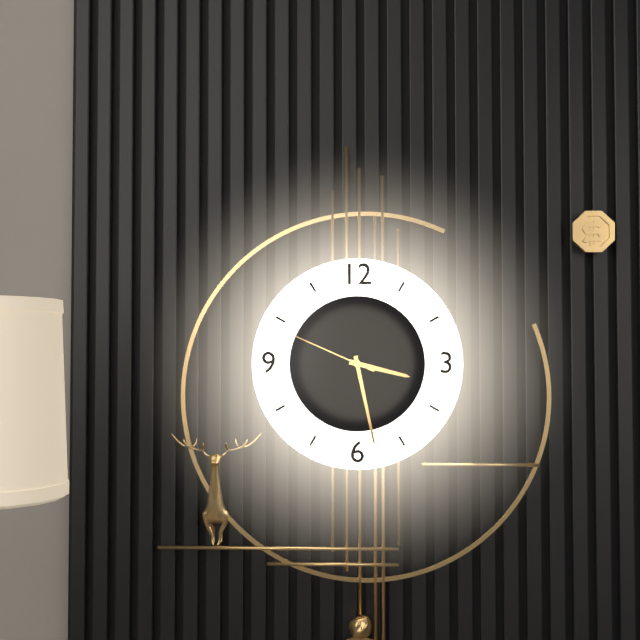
3:28:49
